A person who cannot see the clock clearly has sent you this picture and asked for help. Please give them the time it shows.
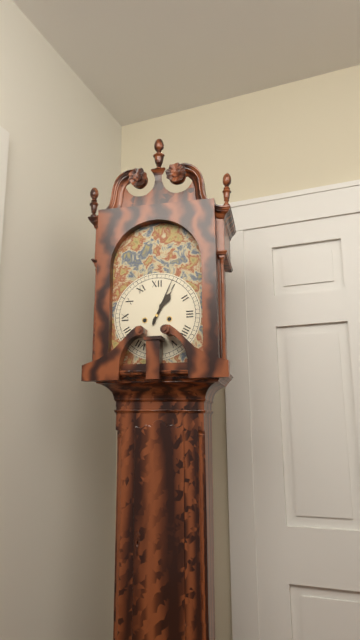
1:04
